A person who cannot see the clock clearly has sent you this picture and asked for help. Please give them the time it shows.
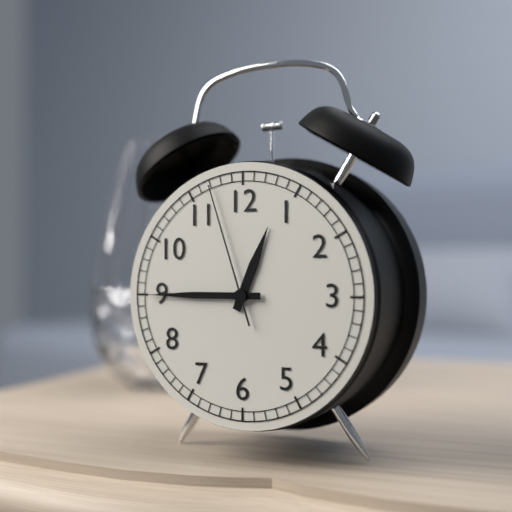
12:45:57
